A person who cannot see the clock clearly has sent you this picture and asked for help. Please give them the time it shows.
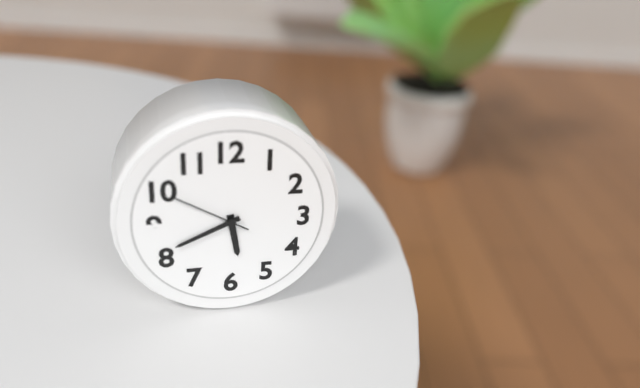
5:41:50
